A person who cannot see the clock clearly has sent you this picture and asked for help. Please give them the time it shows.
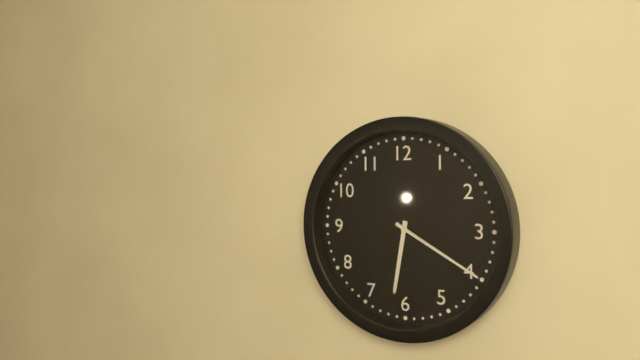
6:20
